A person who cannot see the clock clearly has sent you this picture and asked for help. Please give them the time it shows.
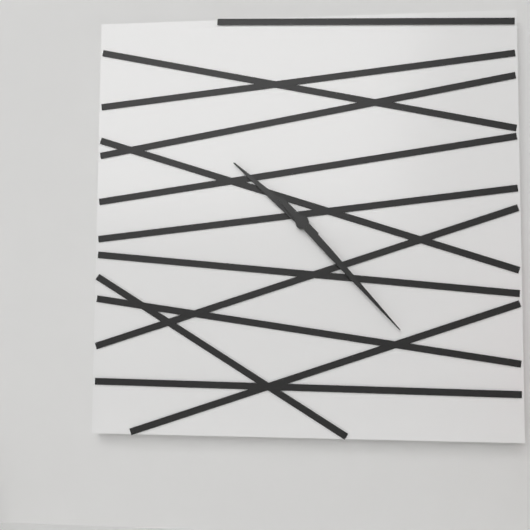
10:23
